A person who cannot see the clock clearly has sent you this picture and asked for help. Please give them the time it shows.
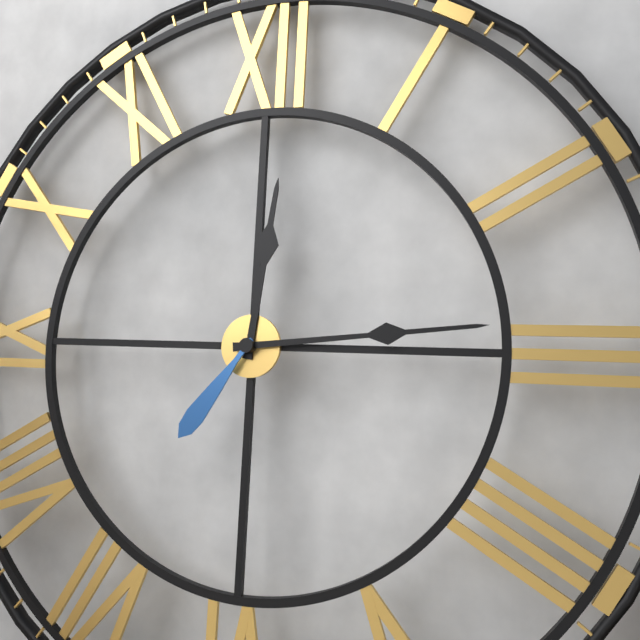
12:14:36
